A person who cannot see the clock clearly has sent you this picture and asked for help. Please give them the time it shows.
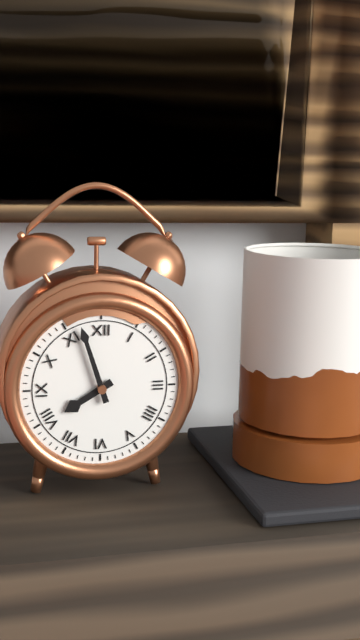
7:57
